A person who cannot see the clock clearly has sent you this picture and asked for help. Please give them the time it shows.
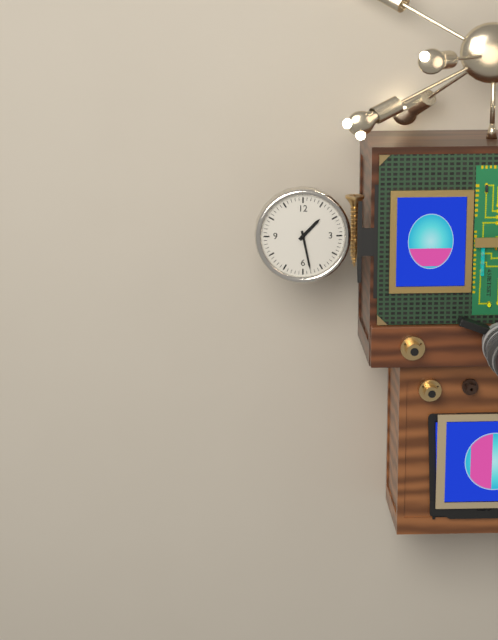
1:28
